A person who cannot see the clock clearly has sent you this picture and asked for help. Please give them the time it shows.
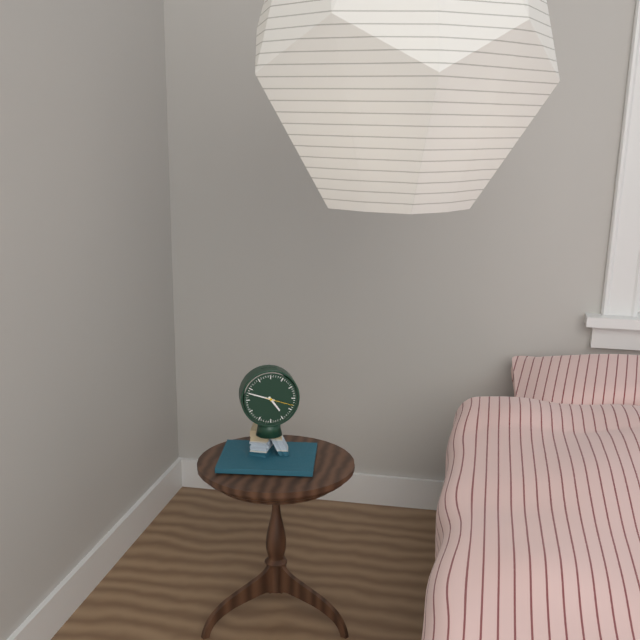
4:48
